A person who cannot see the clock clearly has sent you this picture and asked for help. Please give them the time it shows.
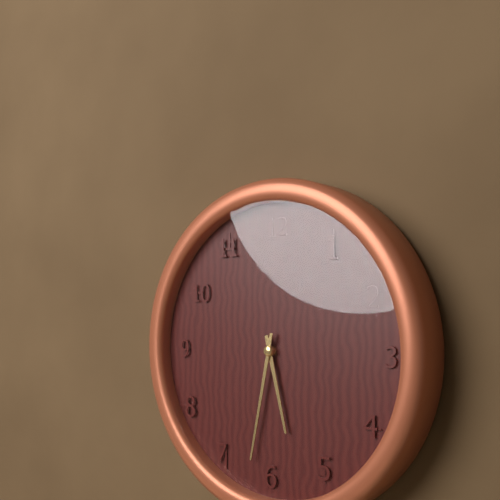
5:32
